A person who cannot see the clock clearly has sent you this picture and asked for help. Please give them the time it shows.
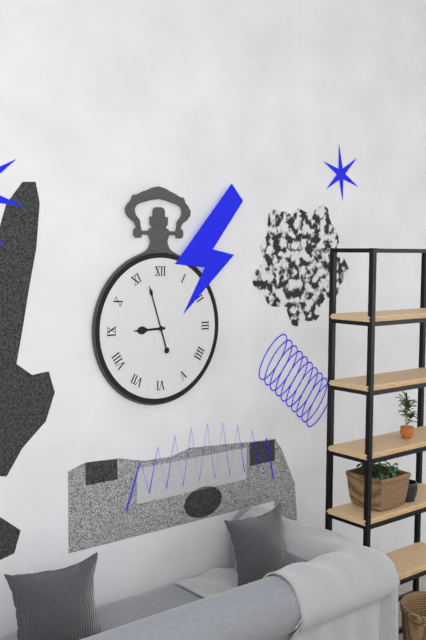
8:57
